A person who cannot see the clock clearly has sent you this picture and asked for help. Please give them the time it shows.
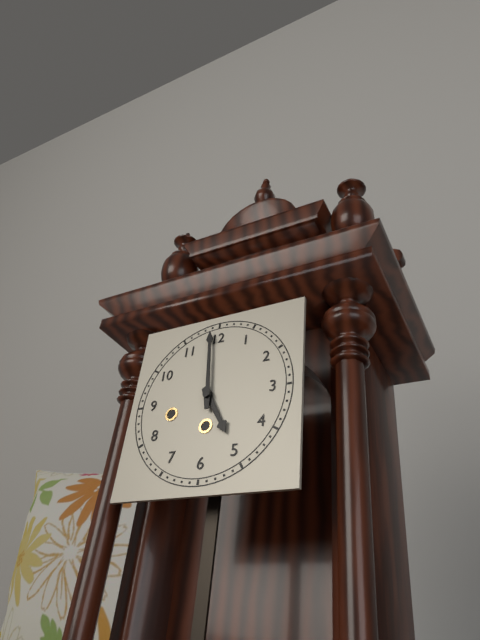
4:59
